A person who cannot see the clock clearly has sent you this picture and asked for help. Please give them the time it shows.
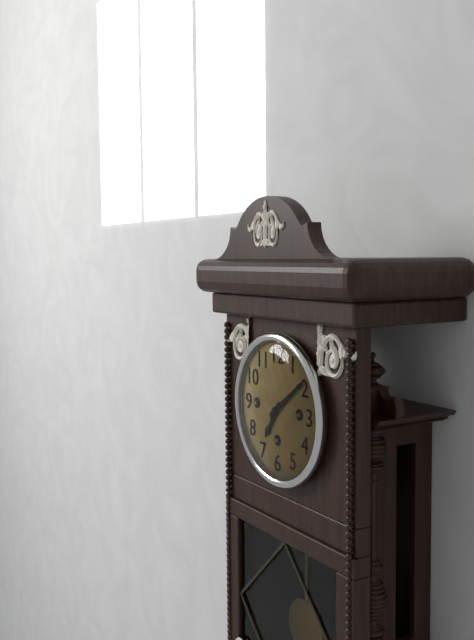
7:09
